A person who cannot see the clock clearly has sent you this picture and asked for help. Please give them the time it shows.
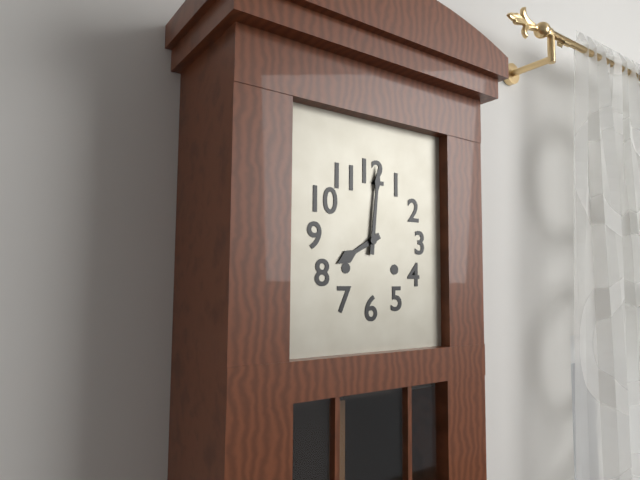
8:01
